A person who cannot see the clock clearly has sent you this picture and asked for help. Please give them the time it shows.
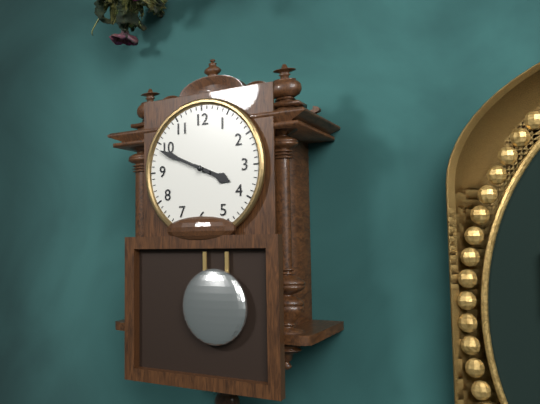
3:49
